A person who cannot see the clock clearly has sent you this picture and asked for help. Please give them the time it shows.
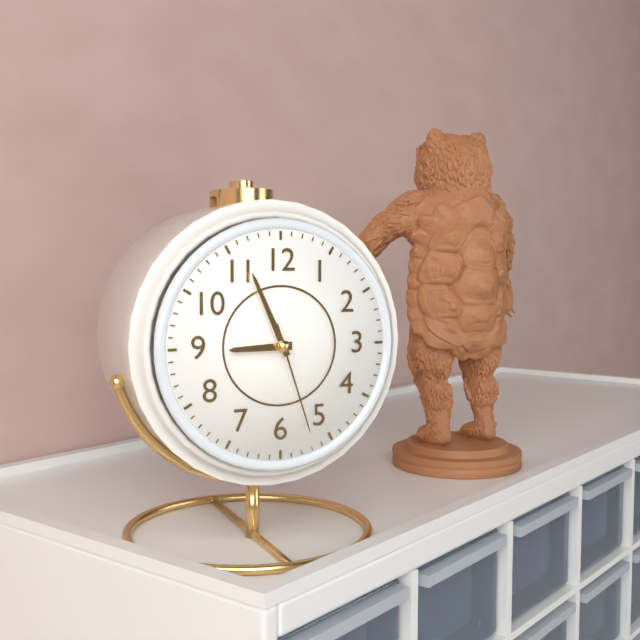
8:56:27
